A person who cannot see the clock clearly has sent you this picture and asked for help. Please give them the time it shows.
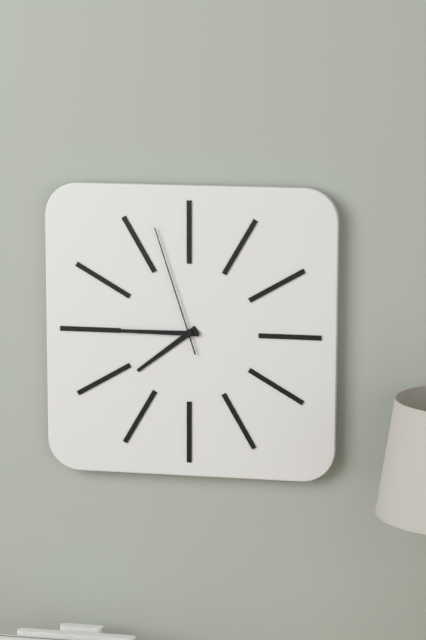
7:45:57
